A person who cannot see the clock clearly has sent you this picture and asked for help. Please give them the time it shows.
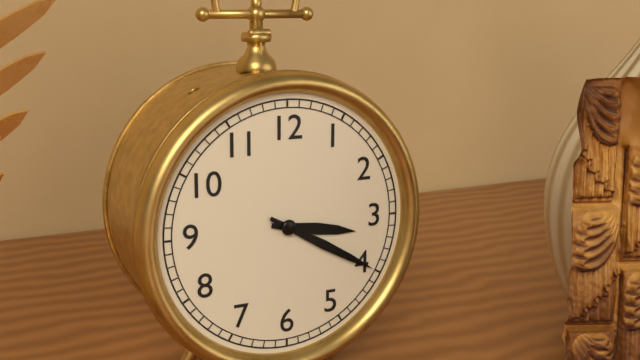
3:20
